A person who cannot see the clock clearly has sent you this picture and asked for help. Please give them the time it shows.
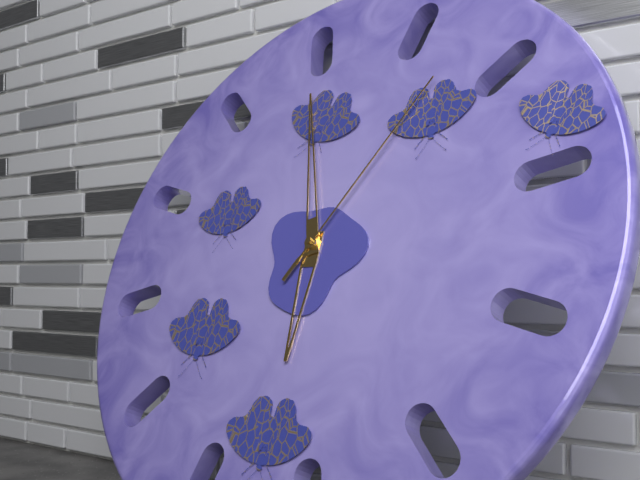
5:57:05
